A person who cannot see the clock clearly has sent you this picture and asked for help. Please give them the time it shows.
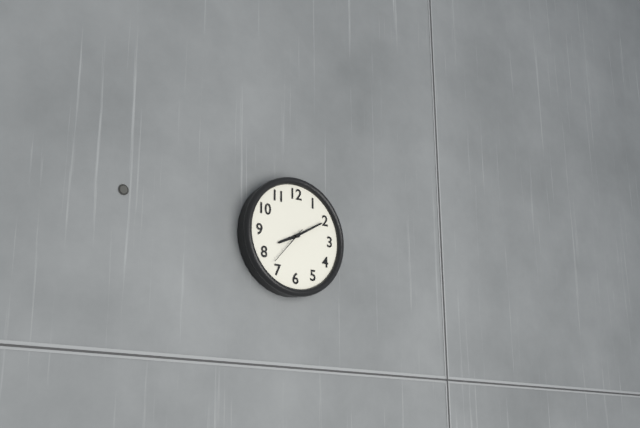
8:10
